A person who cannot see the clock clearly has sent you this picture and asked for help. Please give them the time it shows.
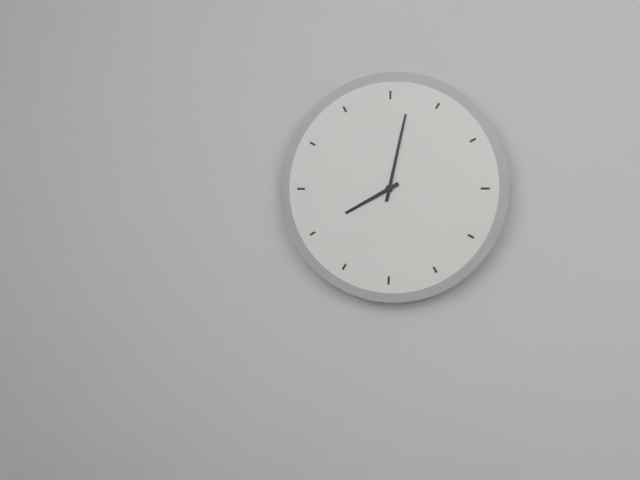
8:02
